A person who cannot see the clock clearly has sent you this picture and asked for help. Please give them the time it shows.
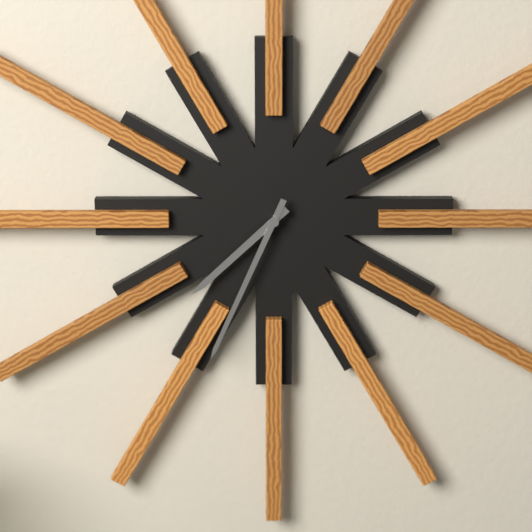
7:34
